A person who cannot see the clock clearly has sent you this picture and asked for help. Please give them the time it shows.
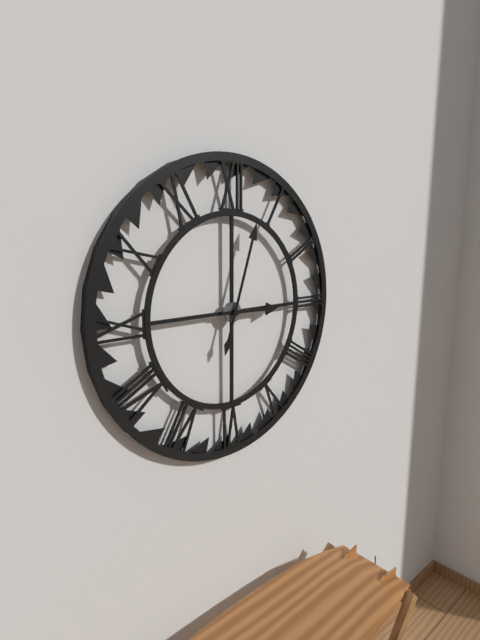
3:03
